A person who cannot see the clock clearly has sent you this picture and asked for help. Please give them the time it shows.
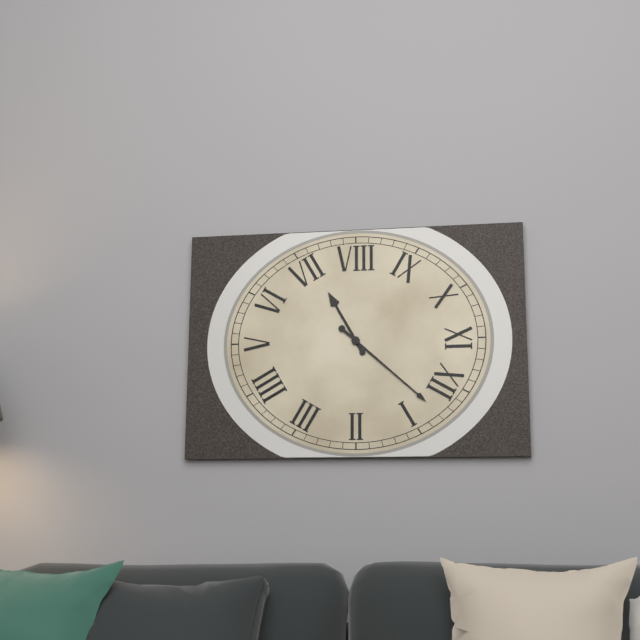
7:02
